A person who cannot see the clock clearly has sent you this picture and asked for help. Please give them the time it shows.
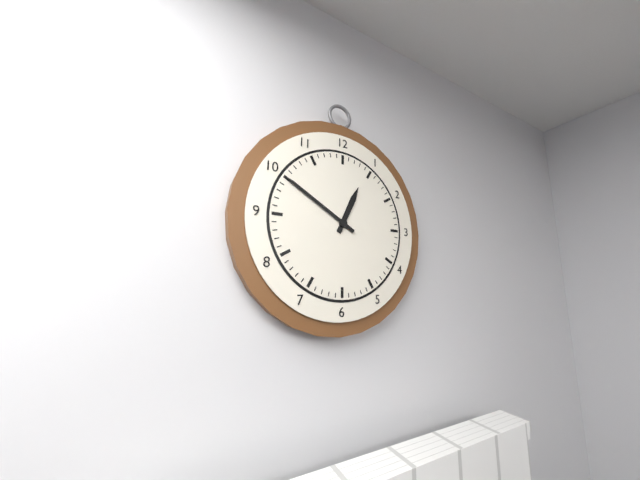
12:50
